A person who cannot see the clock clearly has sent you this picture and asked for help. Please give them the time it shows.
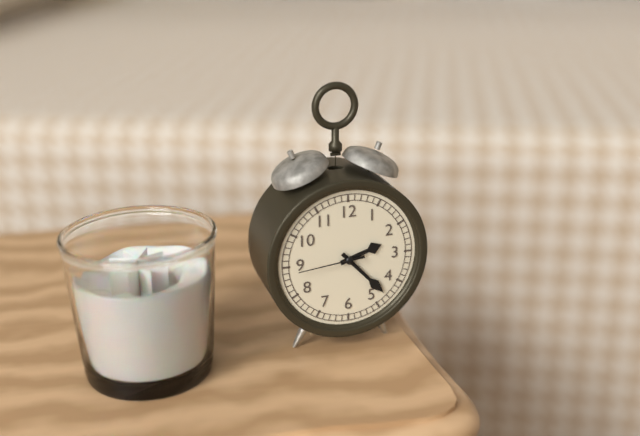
2:23:44
